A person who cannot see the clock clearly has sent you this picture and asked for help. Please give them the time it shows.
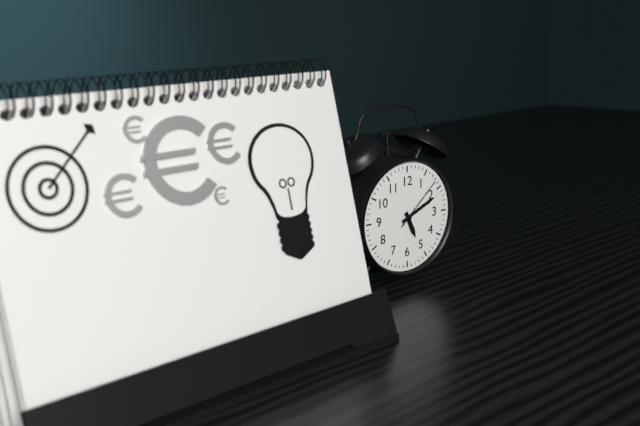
5:11:08
